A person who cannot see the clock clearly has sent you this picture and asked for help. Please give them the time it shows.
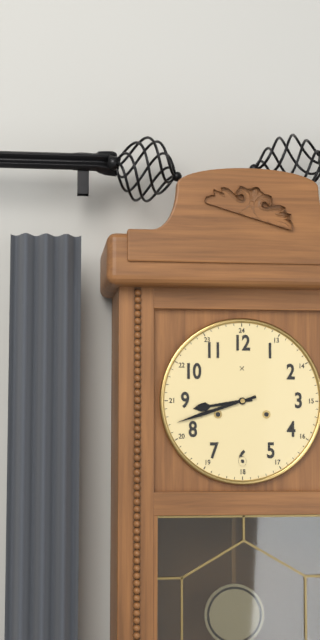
8:42
